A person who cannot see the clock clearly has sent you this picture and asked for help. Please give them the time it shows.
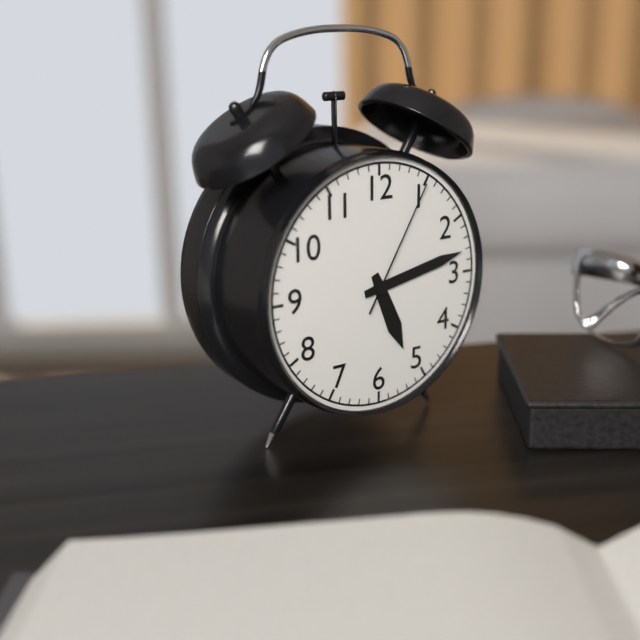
5:13:05
